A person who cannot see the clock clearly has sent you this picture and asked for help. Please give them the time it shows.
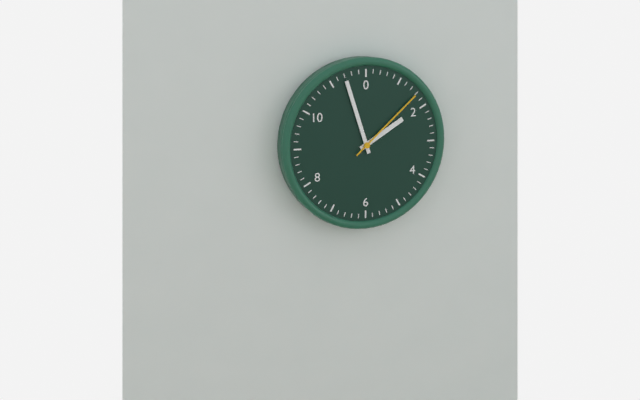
1:57:08
